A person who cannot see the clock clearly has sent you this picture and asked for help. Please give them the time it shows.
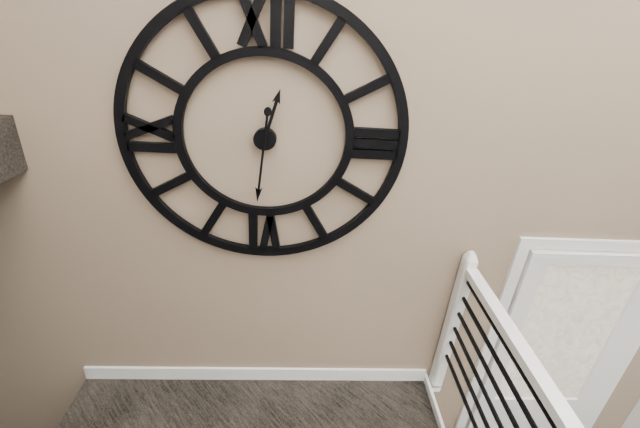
12:31
